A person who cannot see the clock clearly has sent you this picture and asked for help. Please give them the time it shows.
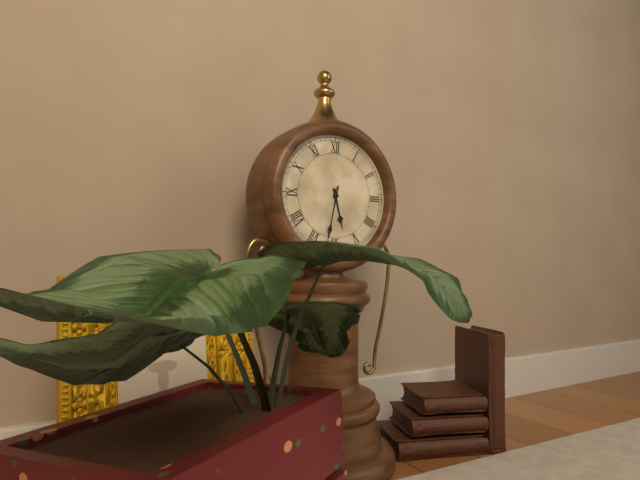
5:32
